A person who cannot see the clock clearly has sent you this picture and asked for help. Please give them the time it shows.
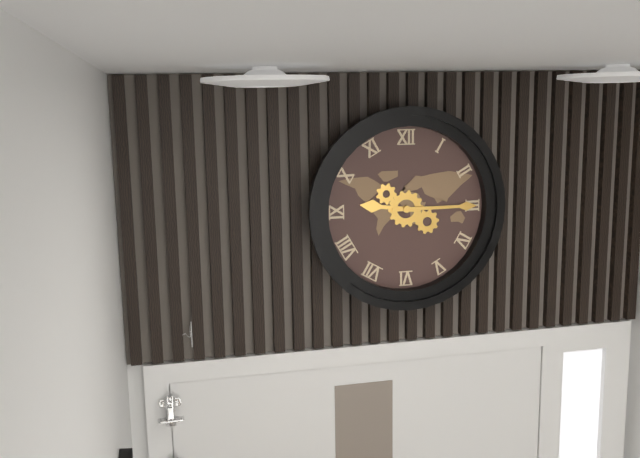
9:15
